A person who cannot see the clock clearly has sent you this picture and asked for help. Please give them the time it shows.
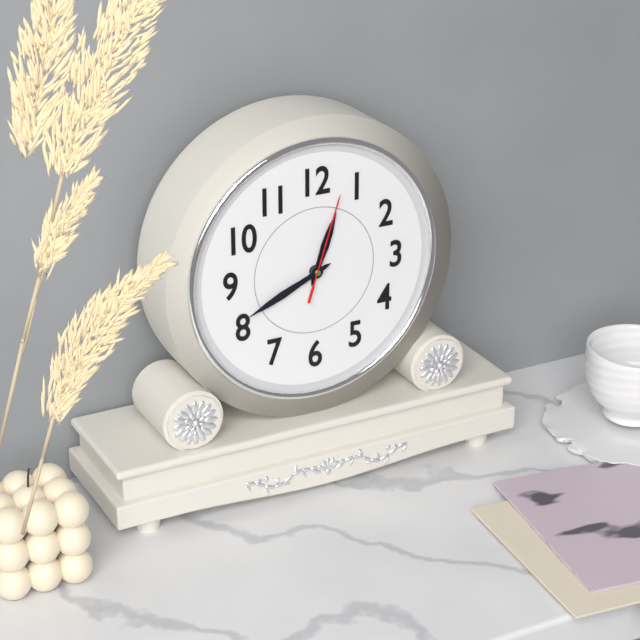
12:41:03
